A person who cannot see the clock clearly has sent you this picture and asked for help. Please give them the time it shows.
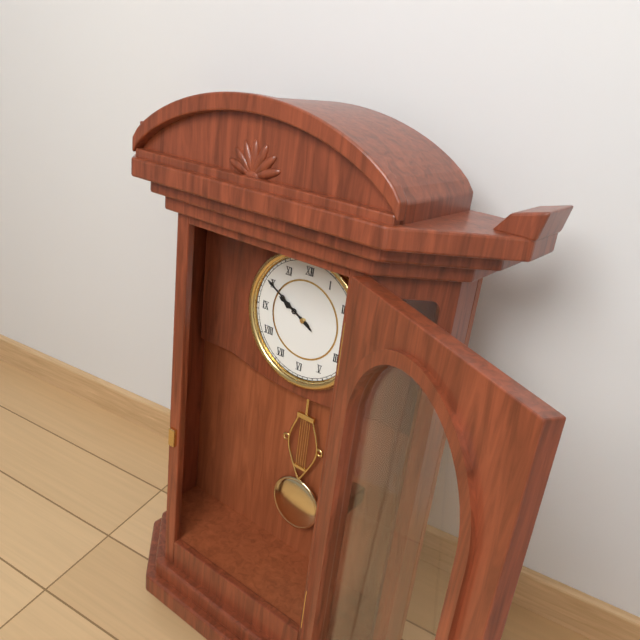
9:50
